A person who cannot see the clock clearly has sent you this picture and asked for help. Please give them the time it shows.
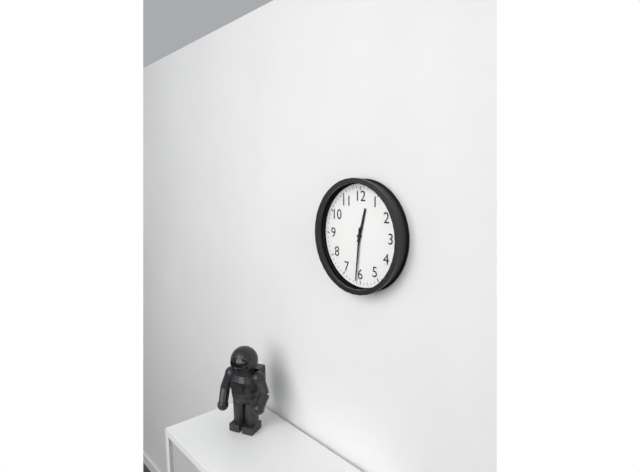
12:31
